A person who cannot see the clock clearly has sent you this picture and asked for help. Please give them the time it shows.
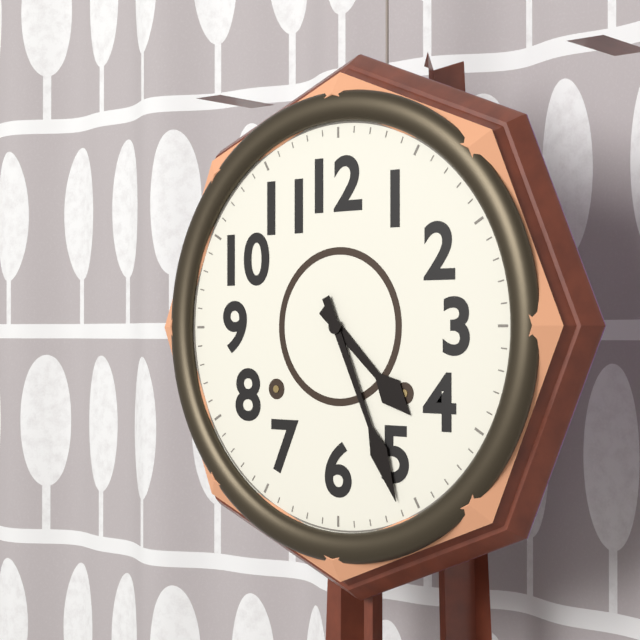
4:26
